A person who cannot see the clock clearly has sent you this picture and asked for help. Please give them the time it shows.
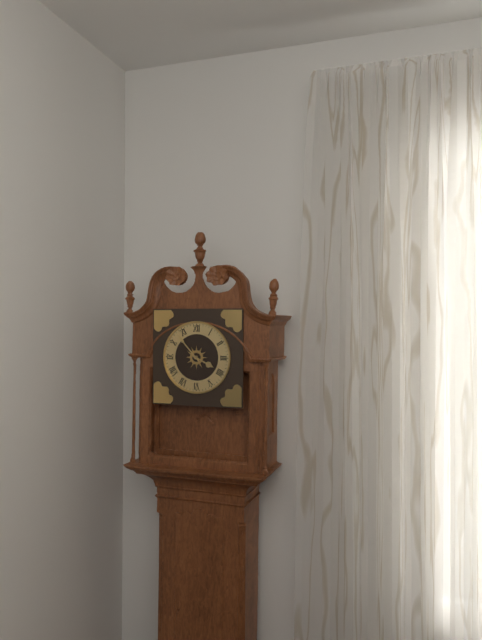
3:53
